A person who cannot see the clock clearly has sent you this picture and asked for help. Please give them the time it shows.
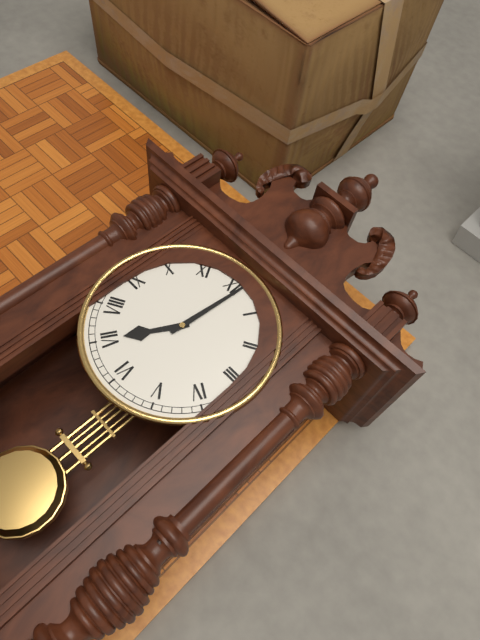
7:01
